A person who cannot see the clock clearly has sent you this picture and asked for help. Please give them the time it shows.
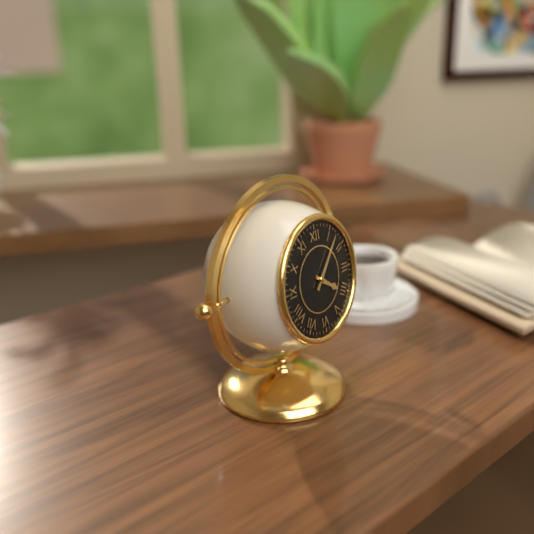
4:07
